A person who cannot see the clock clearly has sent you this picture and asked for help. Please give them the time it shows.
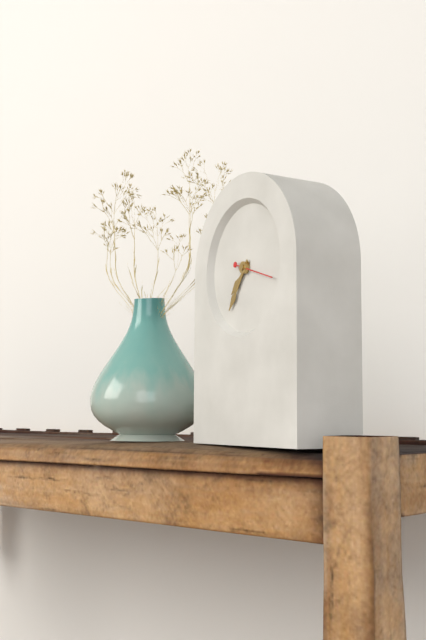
7:36
